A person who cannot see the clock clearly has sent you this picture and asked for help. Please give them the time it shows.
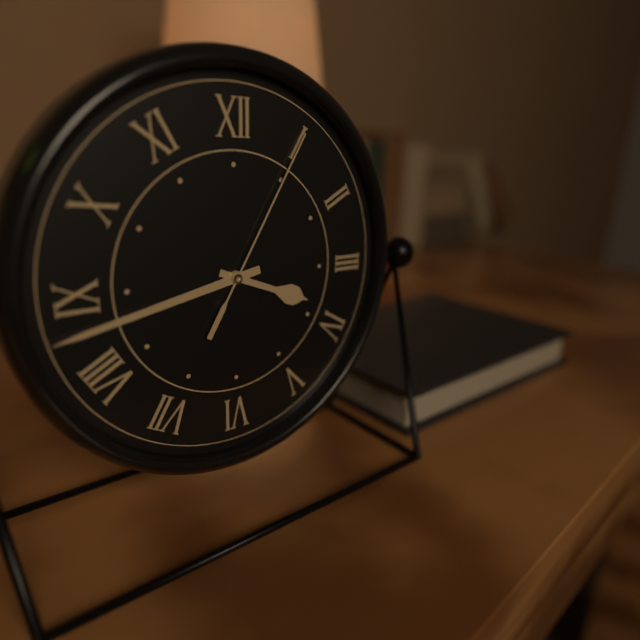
3:43:05
